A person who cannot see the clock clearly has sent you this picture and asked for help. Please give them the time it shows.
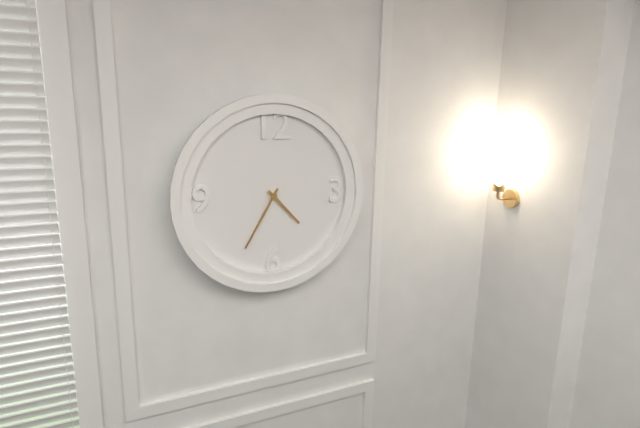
4:35
